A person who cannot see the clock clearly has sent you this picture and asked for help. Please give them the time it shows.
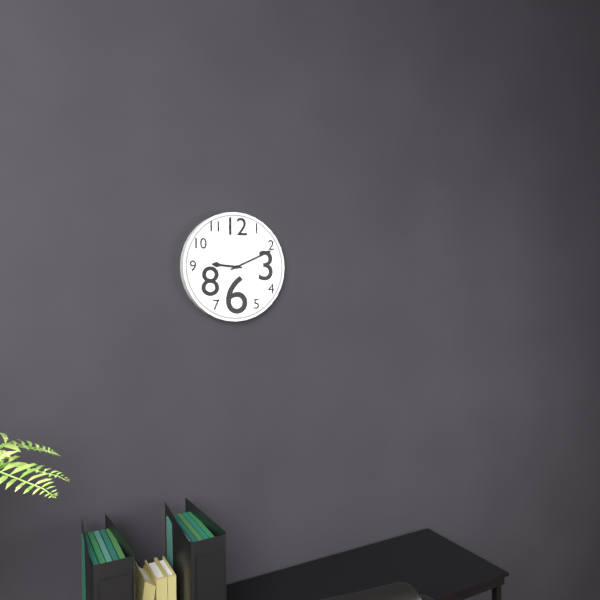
9:11
